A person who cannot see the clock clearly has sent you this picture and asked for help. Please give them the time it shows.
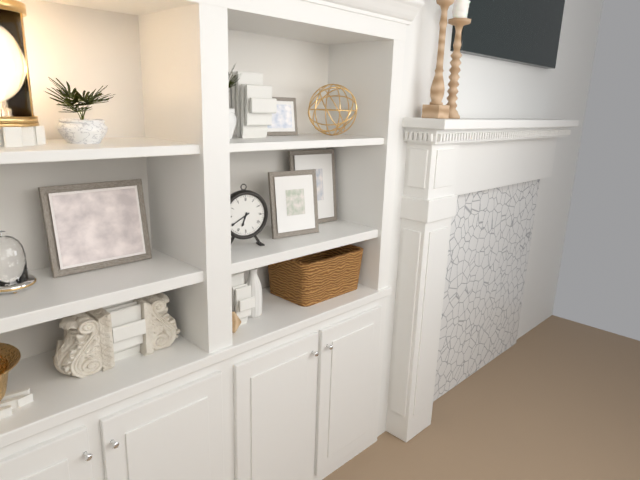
6:40
